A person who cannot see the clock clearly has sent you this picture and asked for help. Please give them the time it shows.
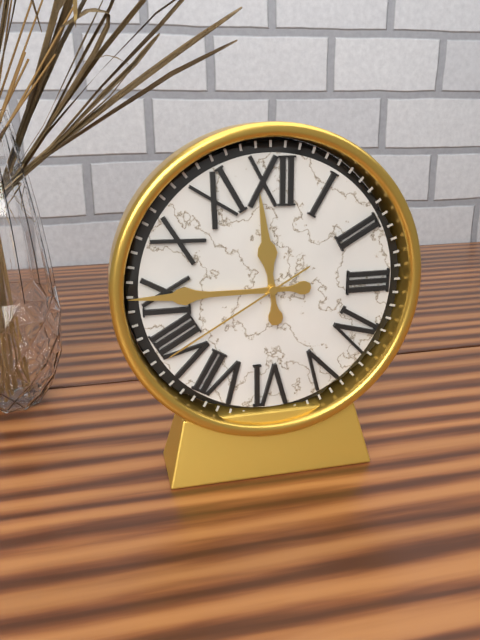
11:45:40
